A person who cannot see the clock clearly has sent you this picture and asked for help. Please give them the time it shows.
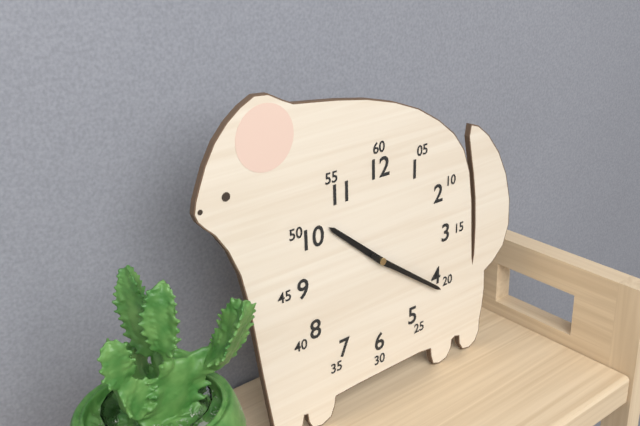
10:21
